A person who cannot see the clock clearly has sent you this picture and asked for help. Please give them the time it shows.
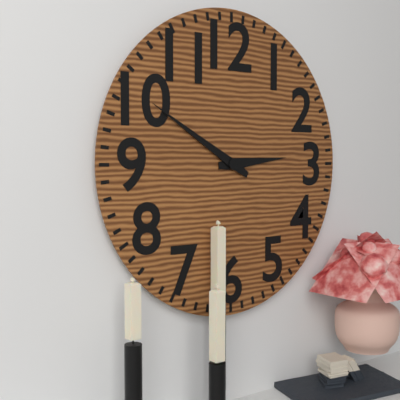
2:50
